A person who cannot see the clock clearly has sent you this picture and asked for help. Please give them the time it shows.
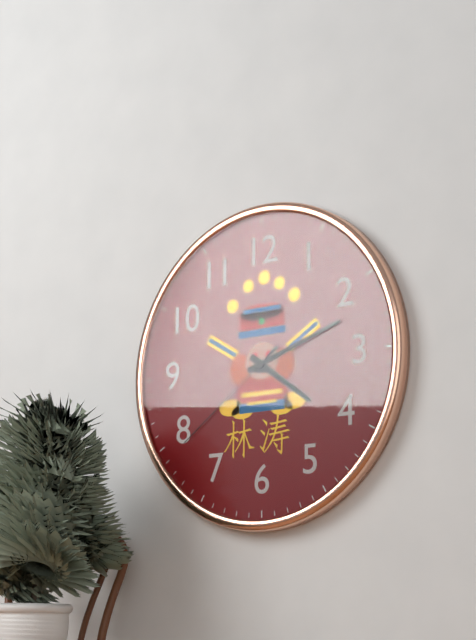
4:12:39
